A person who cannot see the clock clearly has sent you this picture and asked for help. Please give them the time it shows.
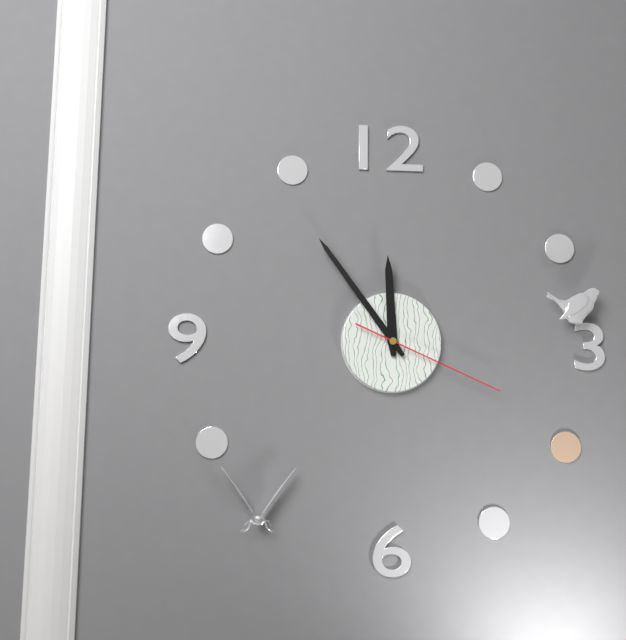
11:54:19
